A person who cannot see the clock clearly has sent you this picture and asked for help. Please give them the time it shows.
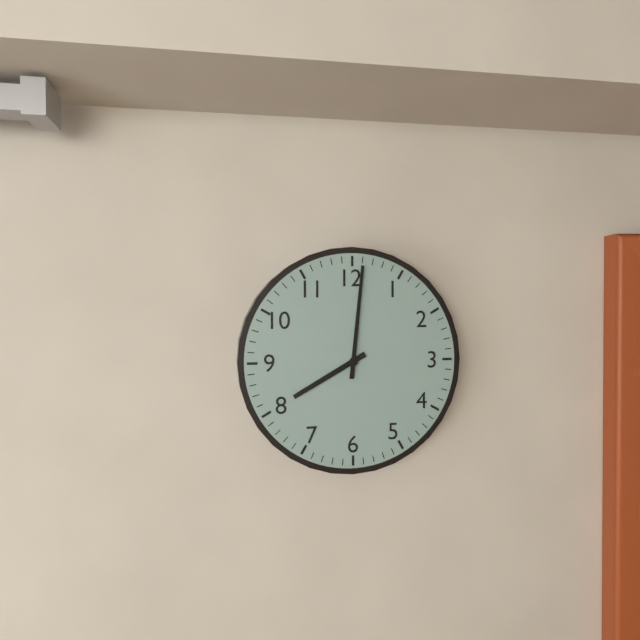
8:01
